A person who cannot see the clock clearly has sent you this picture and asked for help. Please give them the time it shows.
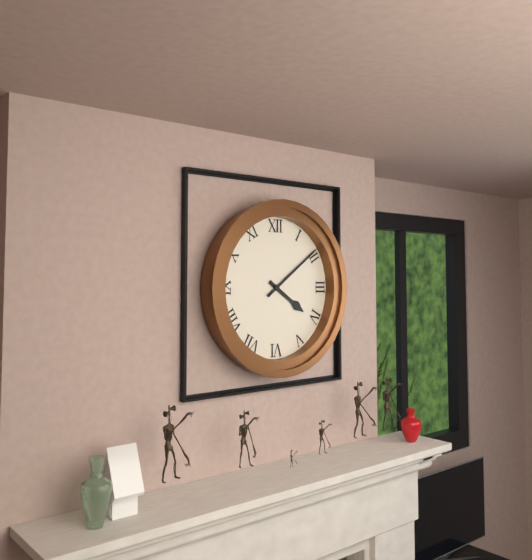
4:09
